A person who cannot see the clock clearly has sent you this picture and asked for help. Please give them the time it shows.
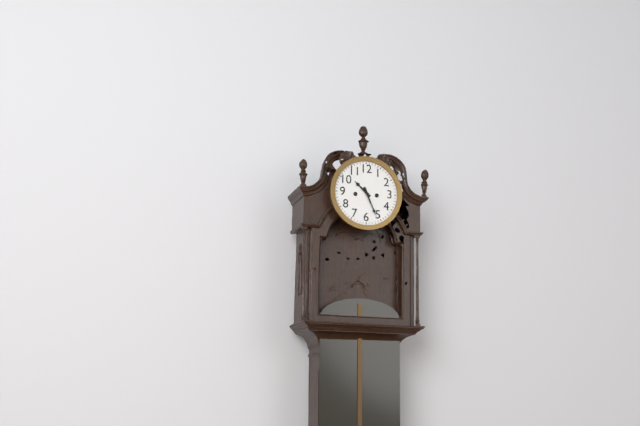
10:26
